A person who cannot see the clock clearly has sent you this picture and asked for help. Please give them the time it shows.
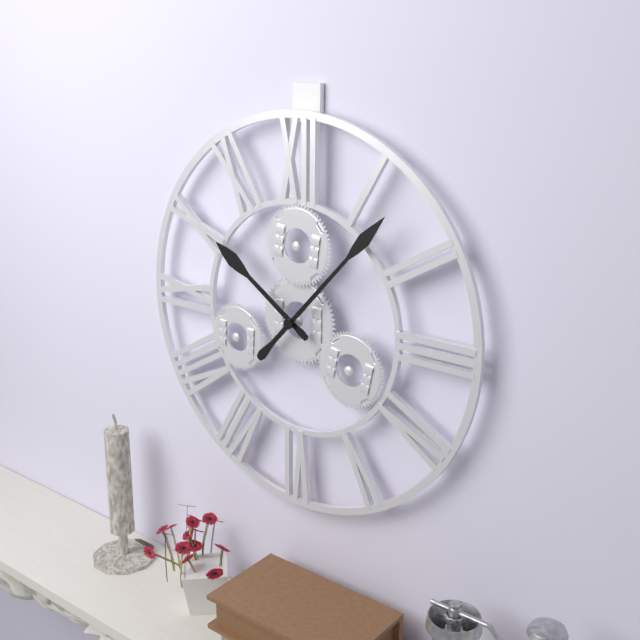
10:07
